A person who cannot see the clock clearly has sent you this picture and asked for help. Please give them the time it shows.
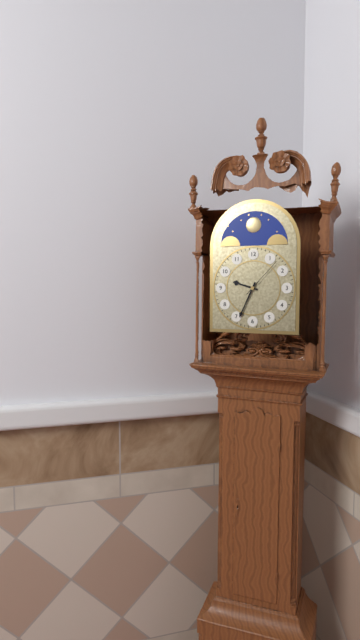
9:34
